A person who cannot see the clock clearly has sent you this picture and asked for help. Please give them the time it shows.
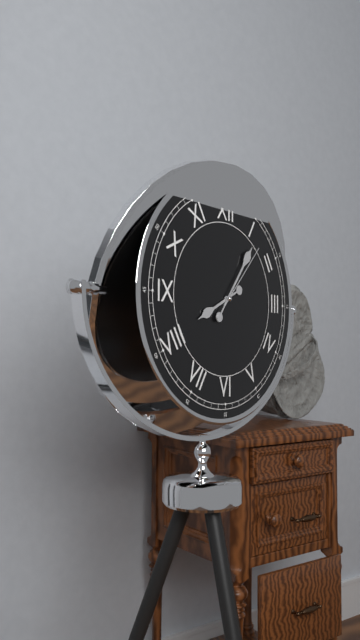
8:06:07
